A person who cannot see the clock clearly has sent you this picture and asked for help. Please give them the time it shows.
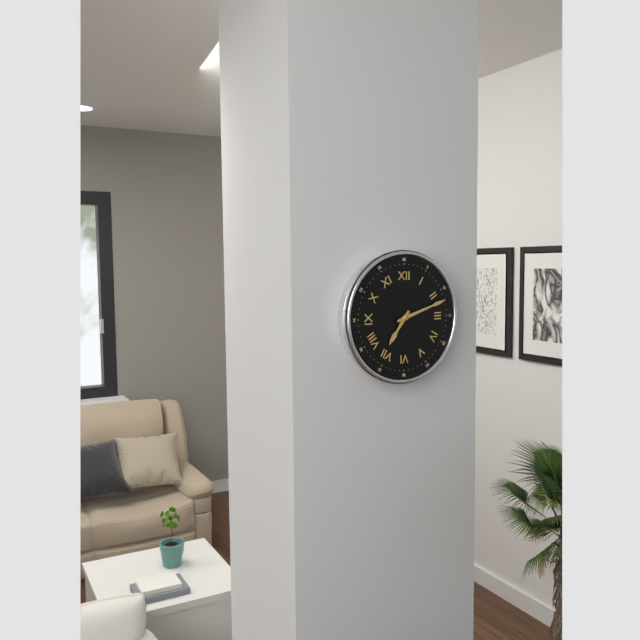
7:12
